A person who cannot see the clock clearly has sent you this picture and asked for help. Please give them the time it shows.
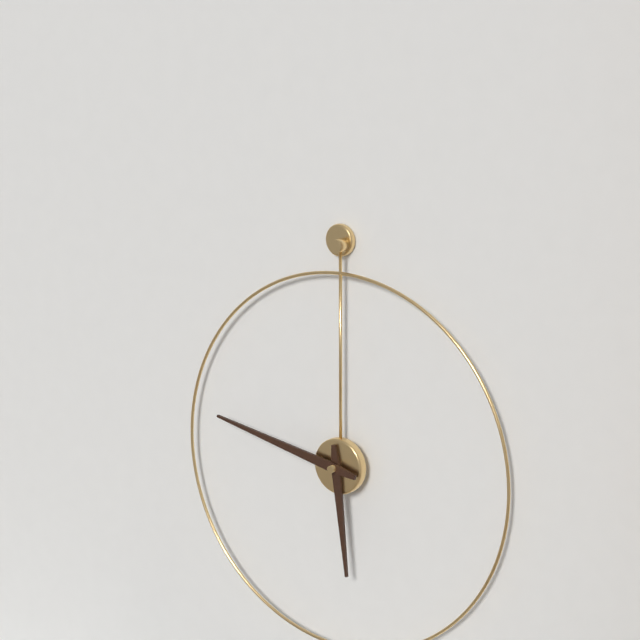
5:47
